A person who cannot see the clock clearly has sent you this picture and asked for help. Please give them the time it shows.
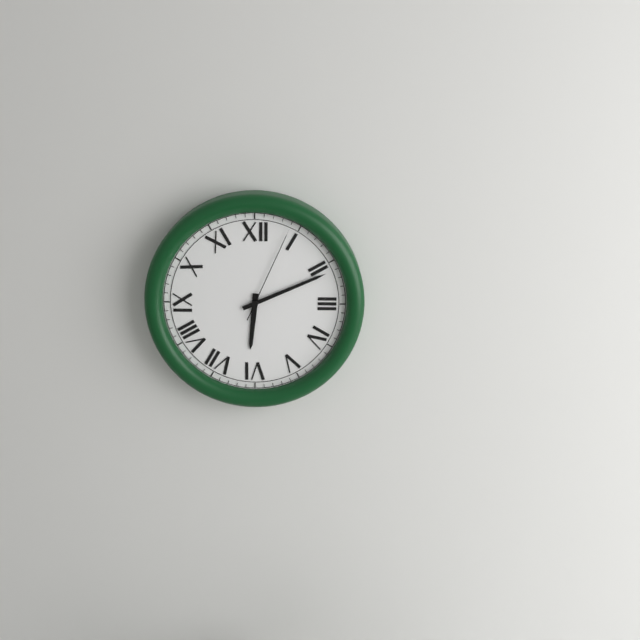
6:11:04
